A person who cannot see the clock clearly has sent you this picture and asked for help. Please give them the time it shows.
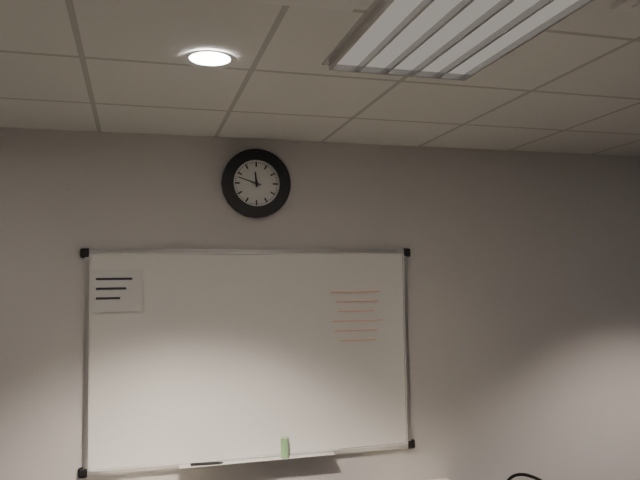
11:48
